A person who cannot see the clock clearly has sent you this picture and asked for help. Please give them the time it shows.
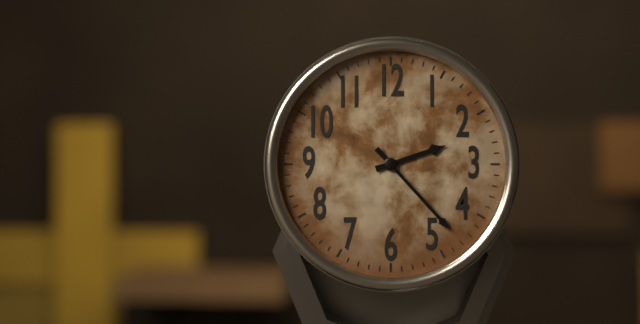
2:23
